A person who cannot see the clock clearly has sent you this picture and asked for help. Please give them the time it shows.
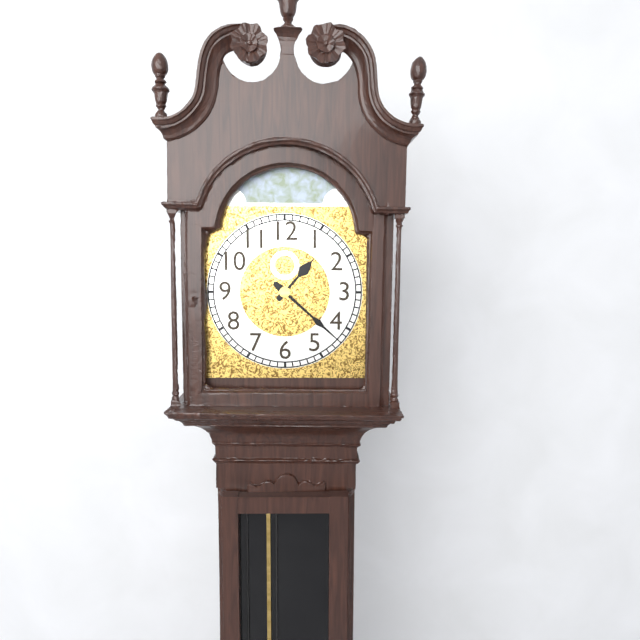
1:22
